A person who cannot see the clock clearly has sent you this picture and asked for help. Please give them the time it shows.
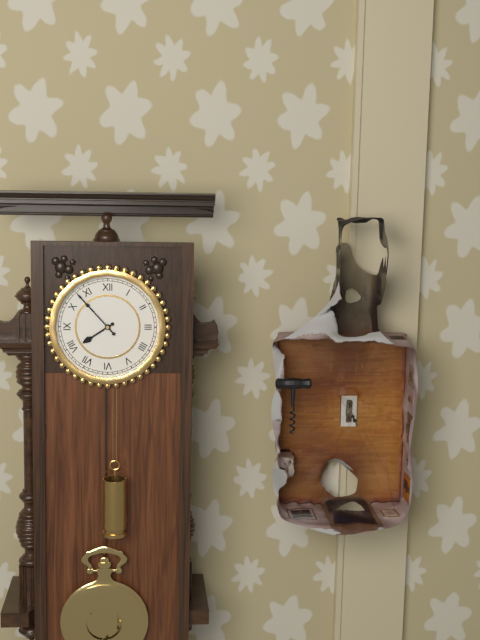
7:53
